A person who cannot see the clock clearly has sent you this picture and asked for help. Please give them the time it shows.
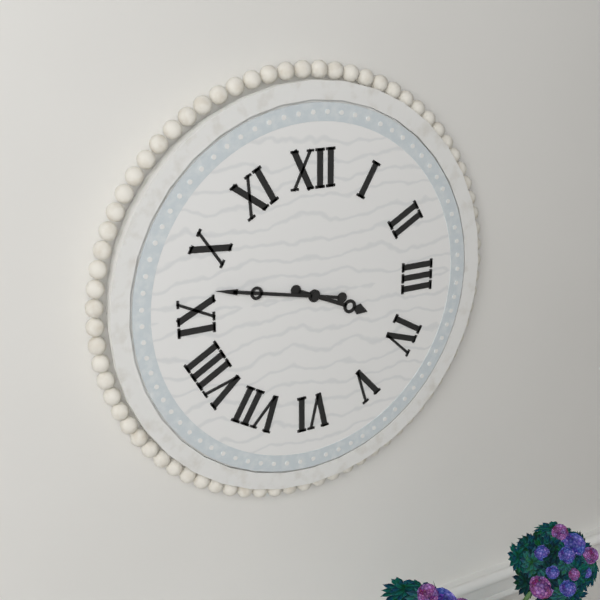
3:47
